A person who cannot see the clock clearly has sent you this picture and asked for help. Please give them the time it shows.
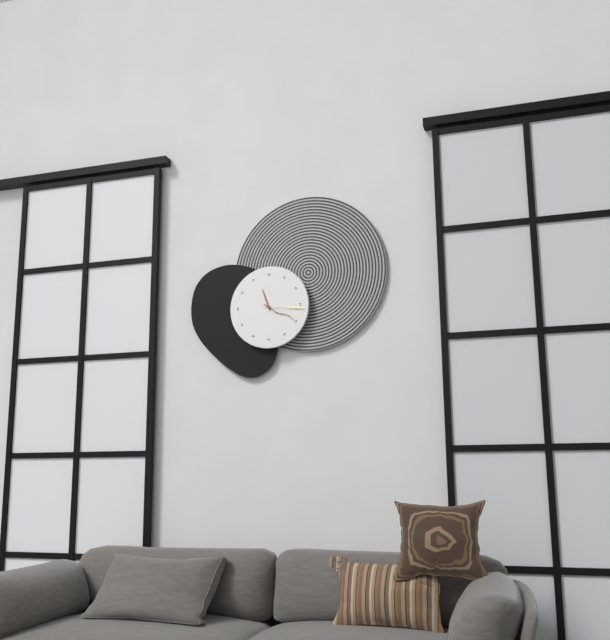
11:20
